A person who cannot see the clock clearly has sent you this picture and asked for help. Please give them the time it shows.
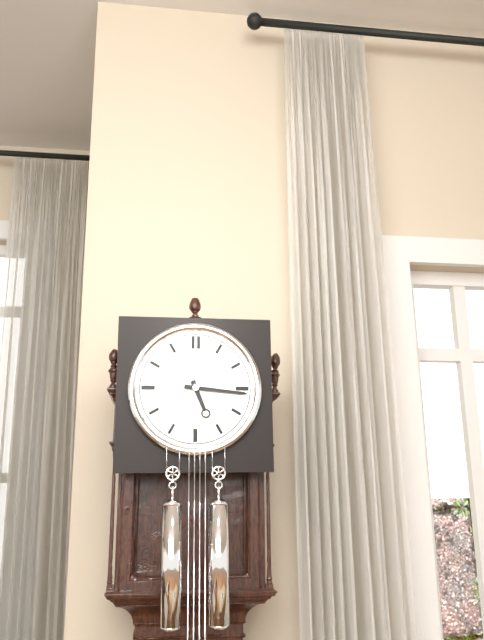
5:16
